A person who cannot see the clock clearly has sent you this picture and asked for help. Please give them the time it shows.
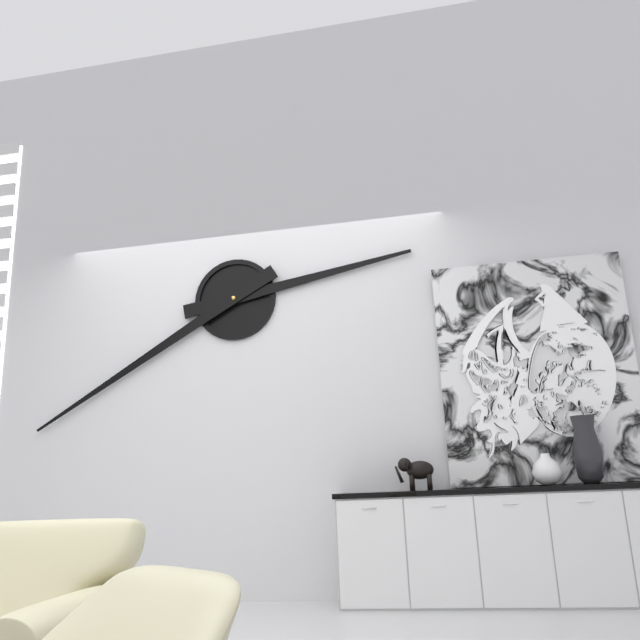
2:40
